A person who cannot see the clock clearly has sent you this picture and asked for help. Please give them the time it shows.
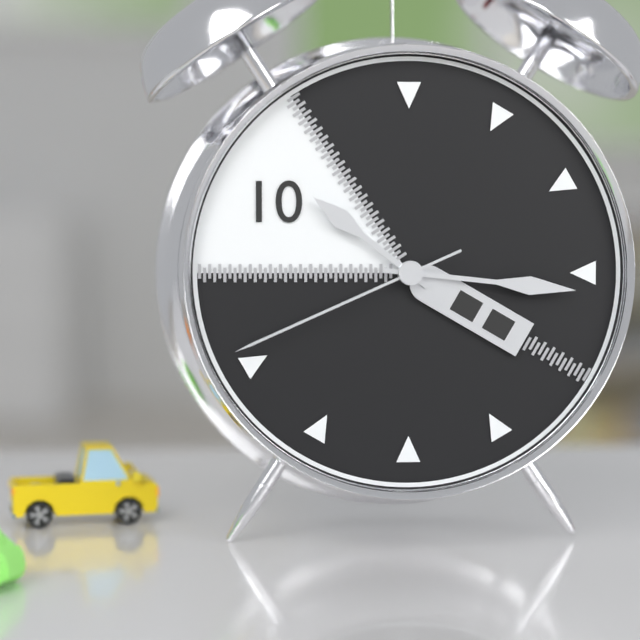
10:16:41
